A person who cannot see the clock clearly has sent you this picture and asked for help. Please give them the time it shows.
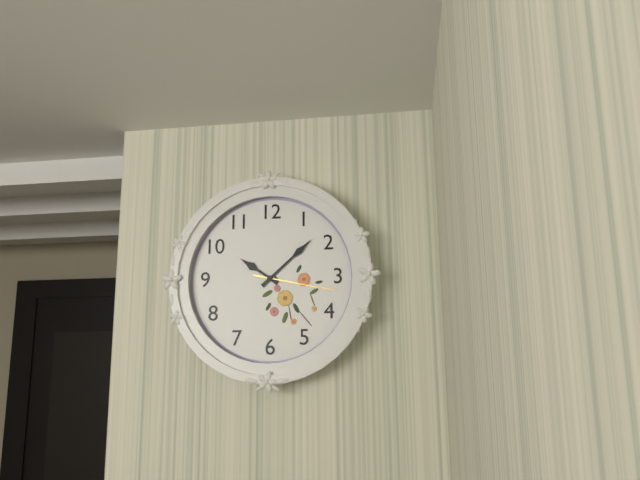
10:08:17
